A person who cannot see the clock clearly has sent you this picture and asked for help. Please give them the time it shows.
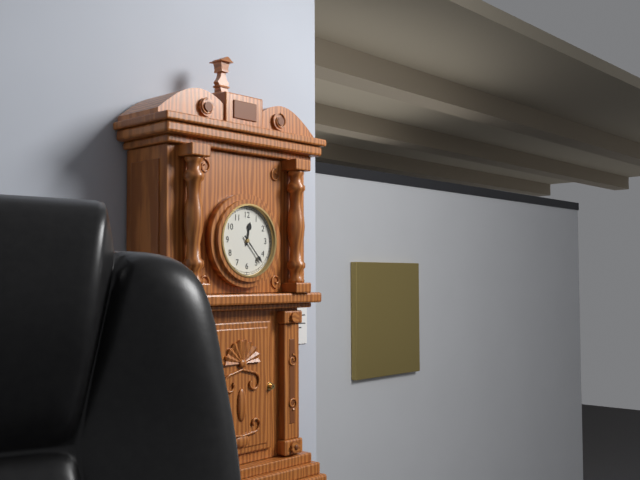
12:23
